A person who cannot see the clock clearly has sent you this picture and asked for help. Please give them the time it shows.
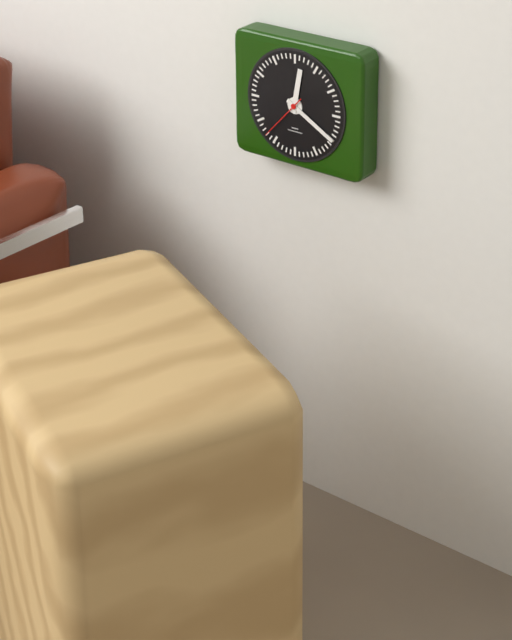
12:20:37
